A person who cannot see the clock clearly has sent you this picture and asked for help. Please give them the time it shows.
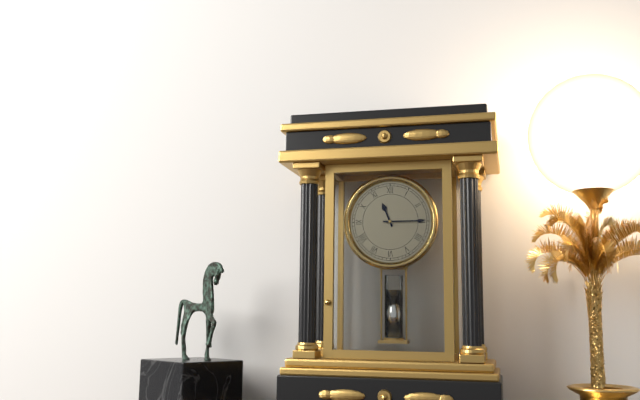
11:15
